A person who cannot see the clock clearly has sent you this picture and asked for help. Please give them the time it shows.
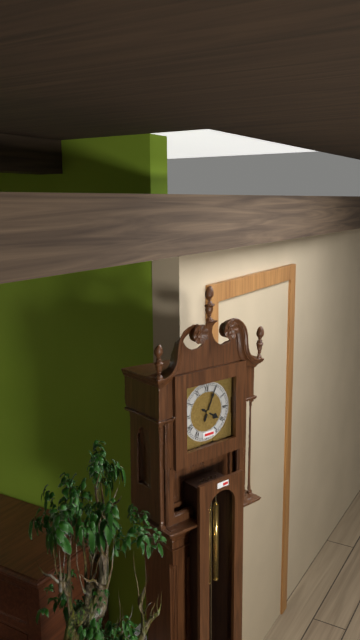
4:04
